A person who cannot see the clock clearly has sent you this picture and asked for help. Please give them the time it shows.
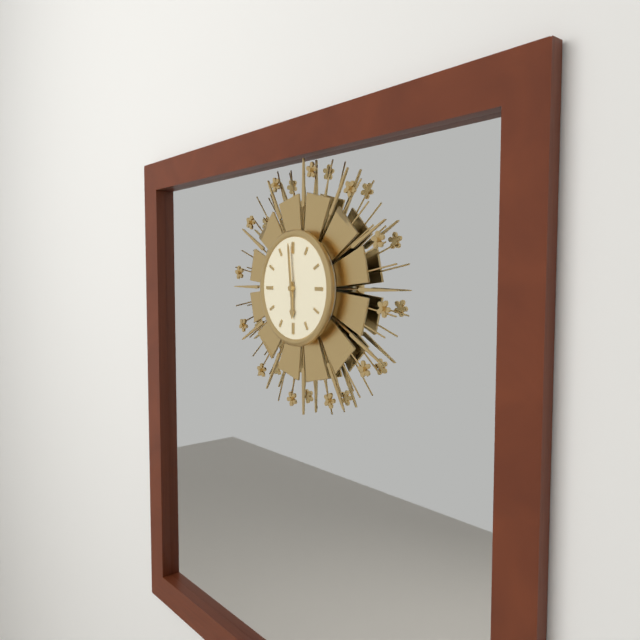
5:59
